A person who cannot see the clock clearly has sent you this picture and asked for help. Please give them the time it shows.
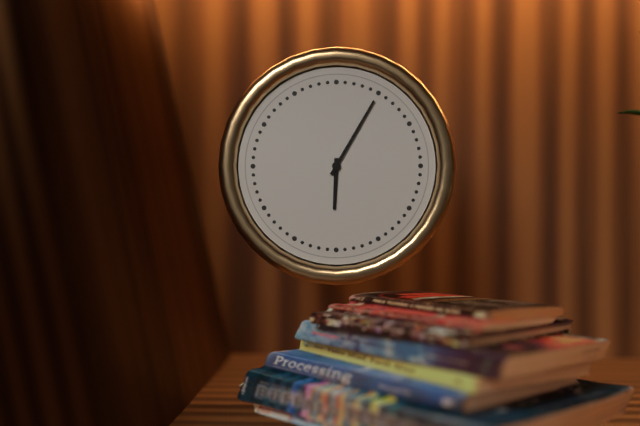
6:05
